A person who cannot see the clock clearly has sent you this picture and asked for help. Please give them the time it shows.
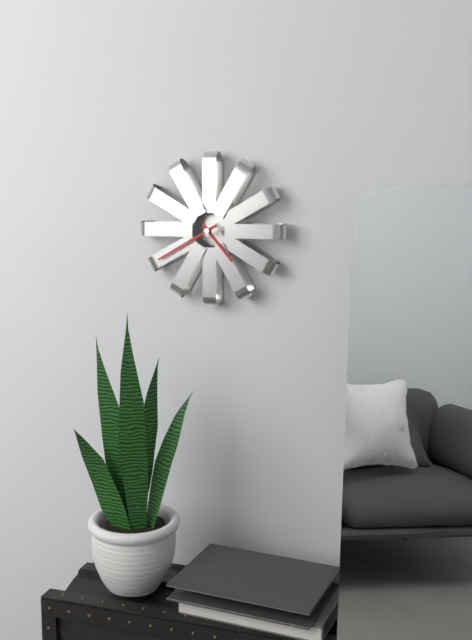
4:40
